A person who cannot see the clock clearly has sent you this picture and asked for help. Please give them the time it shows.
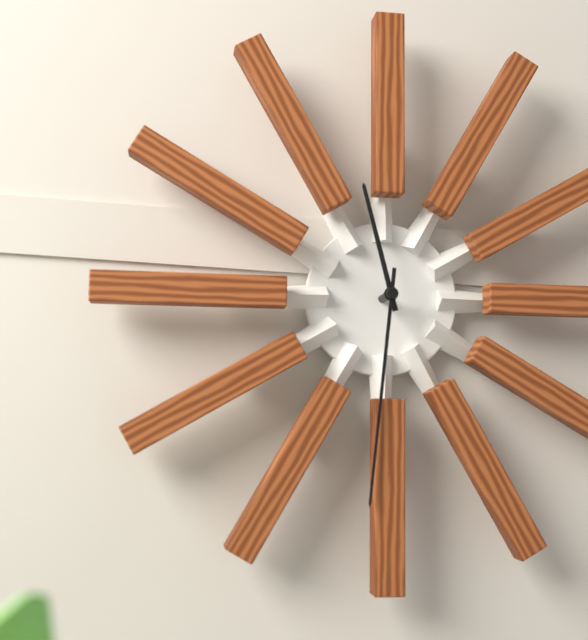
11:31
